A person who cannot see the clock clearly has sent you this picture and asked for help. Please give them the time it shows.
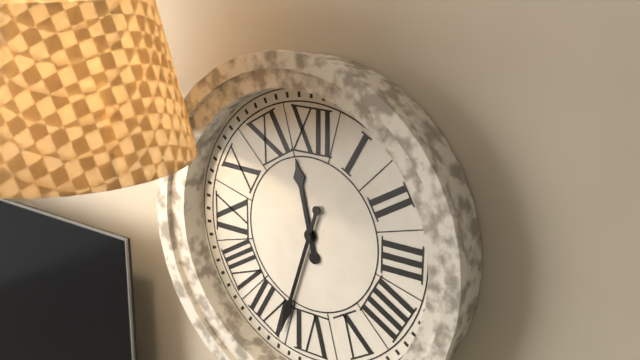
11:33
